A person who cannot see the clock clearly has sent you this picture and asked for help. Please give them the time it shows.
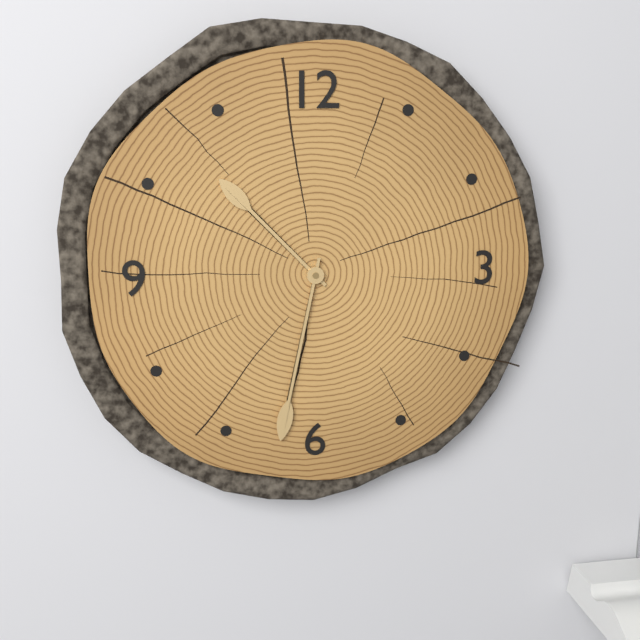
10:32
